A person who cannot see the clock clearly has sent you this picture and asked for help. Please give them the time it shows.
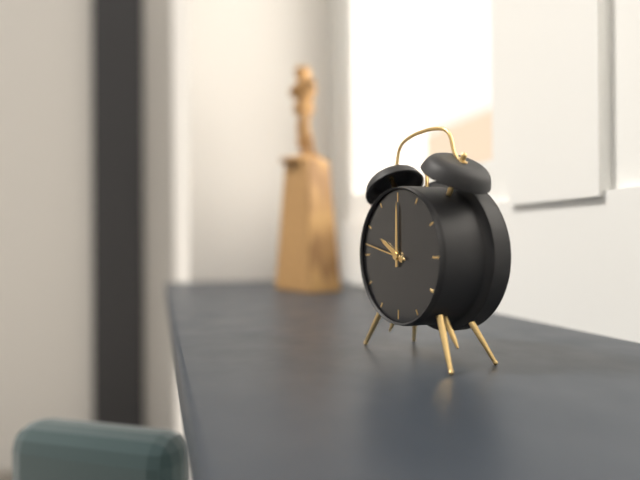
10:00
